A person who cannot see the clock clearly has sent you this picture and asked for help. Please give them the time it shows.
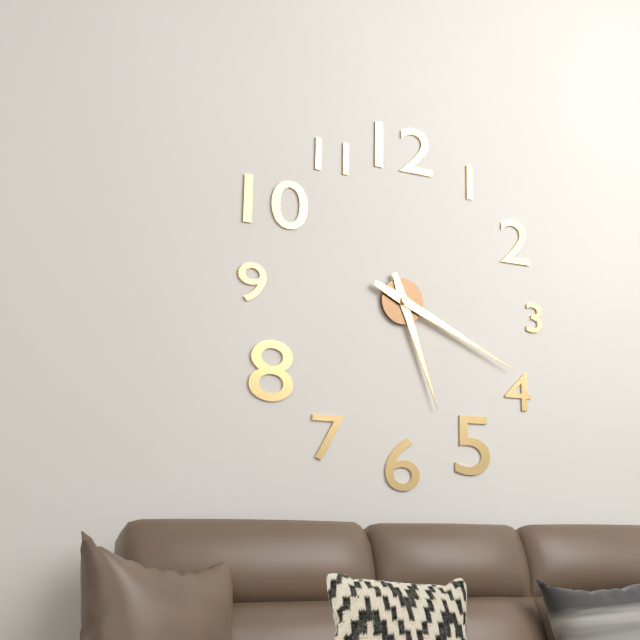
5:19
